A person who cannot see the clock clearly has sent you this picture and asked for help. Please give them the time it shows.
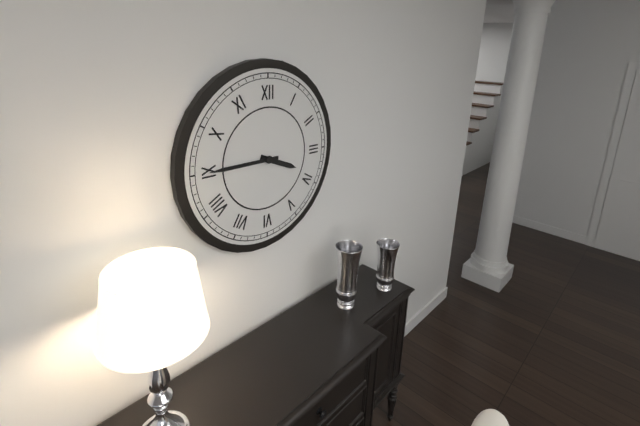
3:45
